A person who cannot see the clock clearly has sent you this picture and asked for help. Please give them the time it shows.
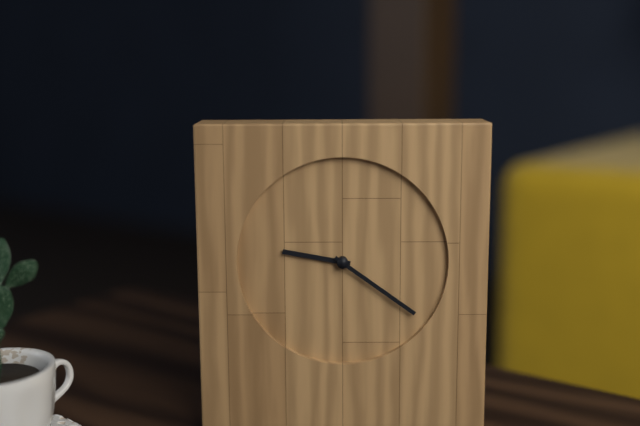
9:21
